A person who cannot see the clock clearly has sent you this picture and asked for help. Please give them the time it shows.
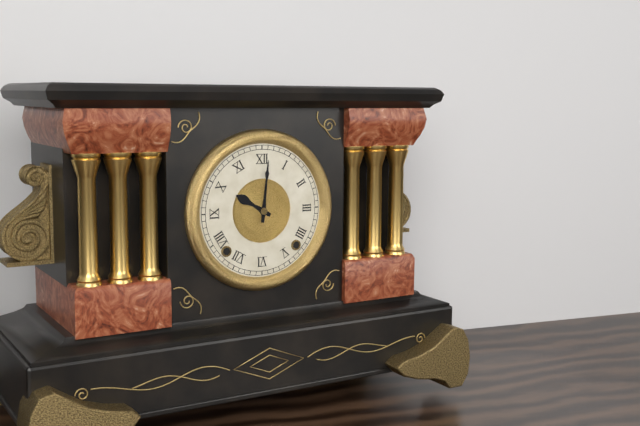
10:01
